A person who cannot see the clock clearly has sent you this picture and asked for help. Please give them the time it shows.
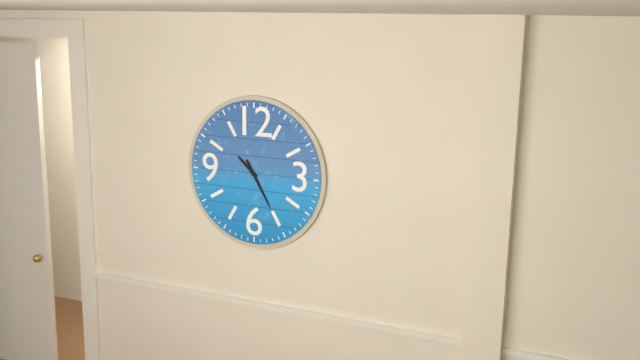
10:25
